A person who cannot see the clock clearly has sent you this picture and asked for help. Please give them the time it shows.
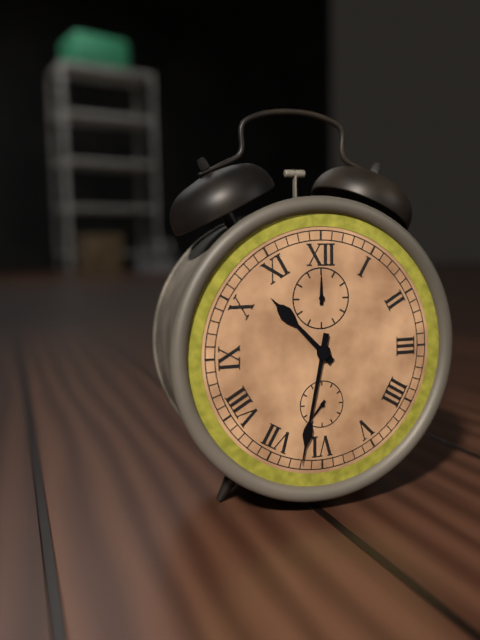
10:32
